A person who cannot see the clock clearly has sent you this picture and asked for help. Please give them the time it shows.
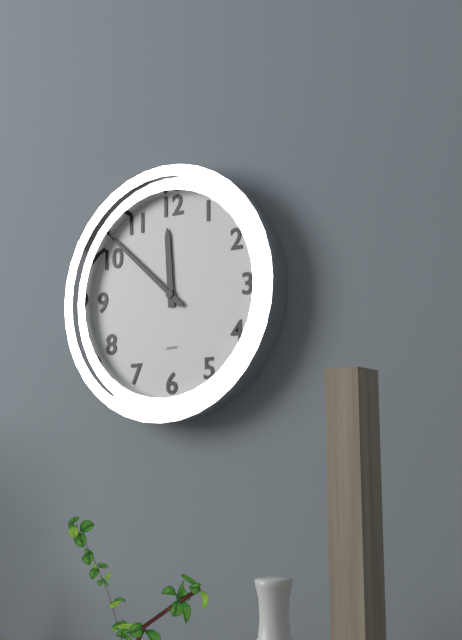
11:52
